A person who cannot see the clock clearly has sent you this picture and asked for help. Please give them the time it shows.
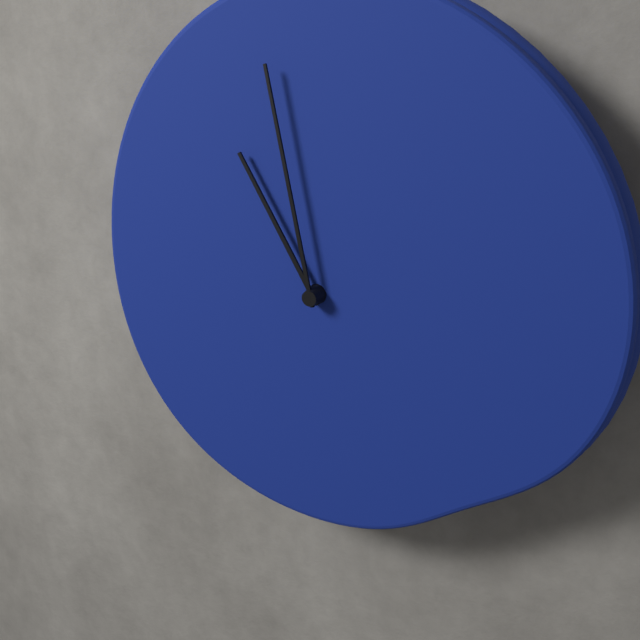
10:58
